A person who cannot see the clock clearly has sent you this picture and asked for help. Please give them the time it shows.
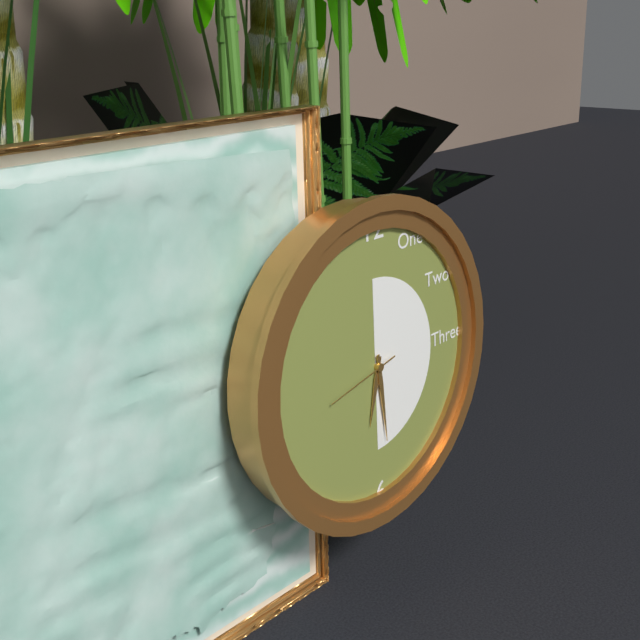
6:29:43
